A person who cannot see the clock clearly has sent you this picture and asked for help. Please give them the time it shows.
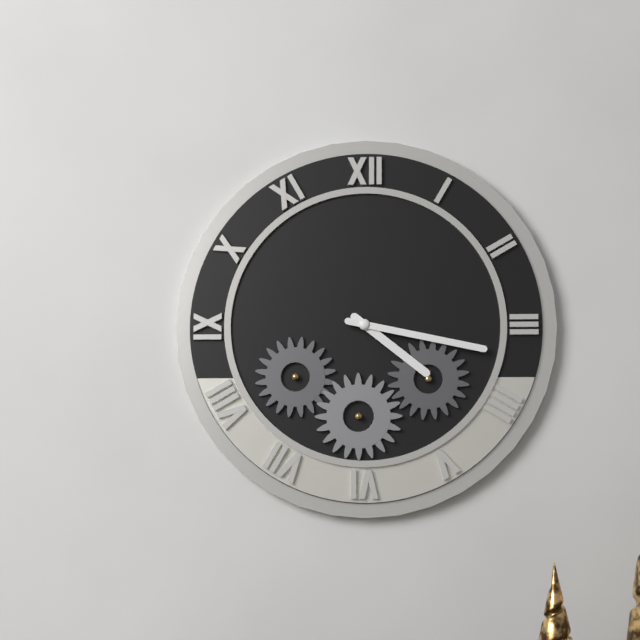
4:17
